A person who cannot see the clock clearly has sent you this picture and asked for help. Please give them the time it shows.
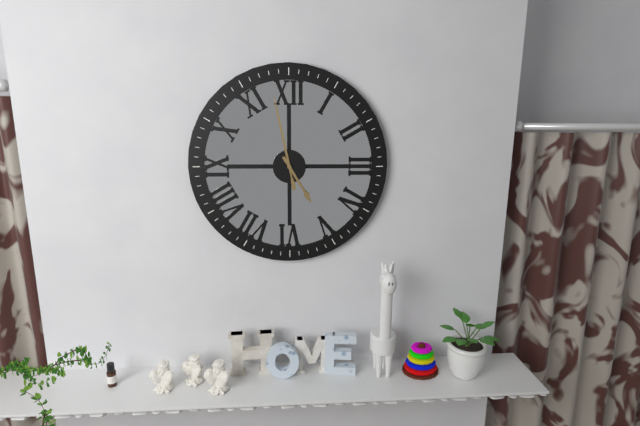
4:58
